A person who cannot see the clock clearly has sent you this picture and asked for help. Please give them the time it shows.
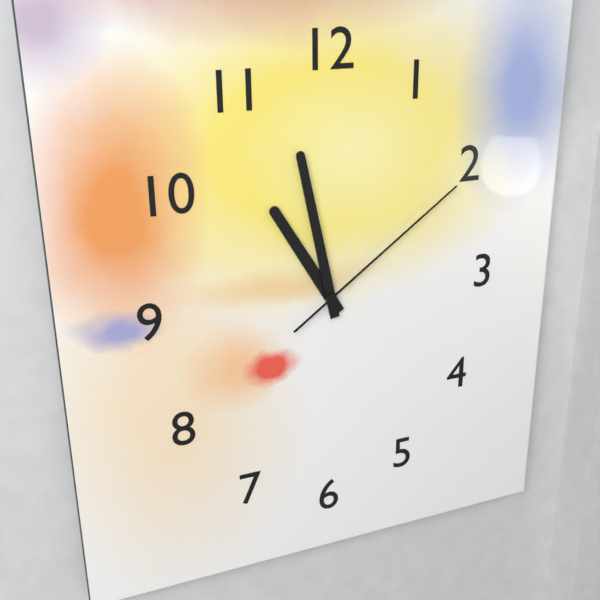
10:58:09
